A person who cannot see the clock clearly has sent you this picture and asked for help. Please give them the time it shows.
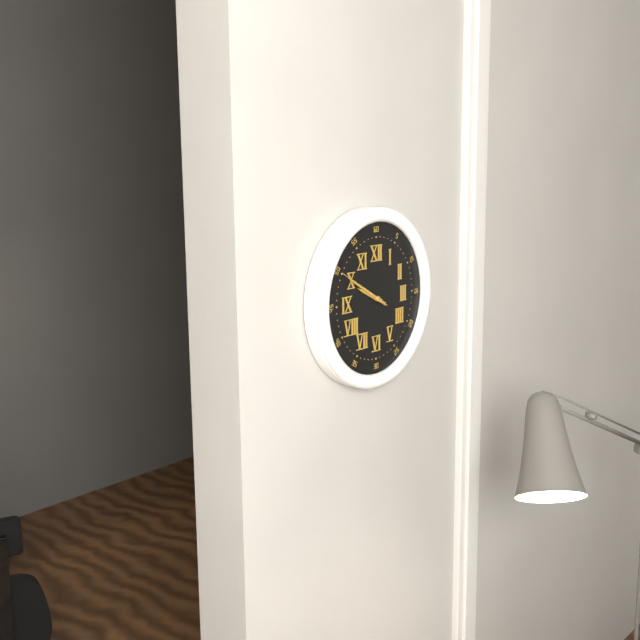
9:50:50
